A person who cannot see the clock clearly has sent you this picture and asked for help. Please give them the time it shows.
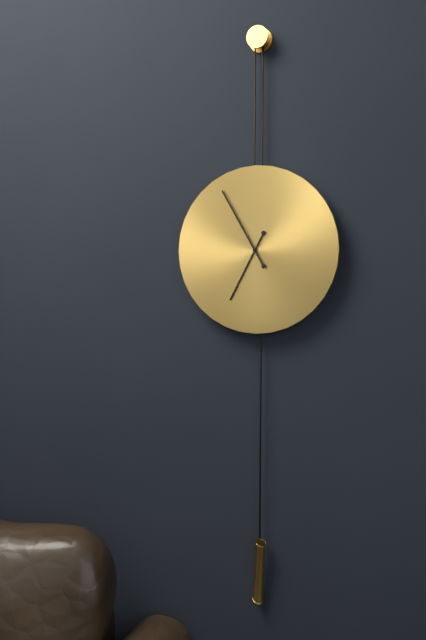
6:55
